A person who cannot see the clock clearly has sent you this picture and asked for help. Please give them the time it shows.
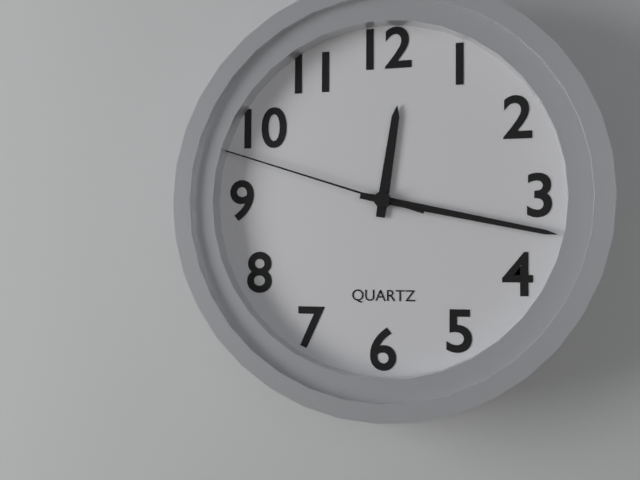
12:17:48
